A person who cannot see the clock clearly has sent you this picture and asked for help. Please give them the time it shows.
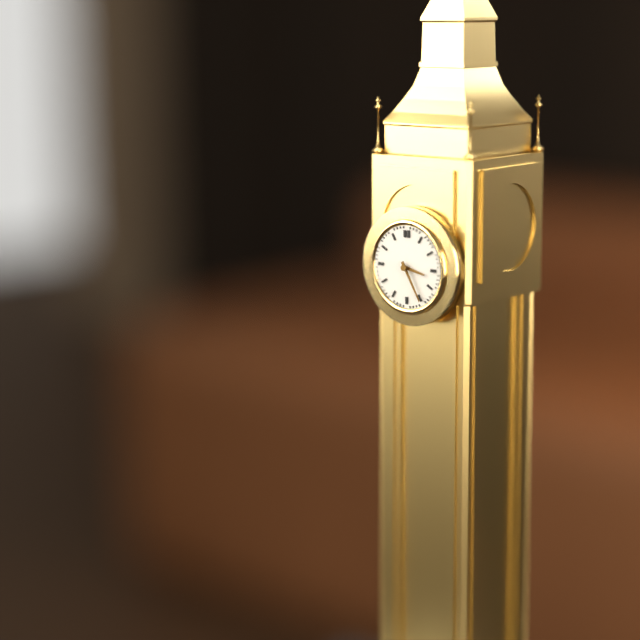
3:25
